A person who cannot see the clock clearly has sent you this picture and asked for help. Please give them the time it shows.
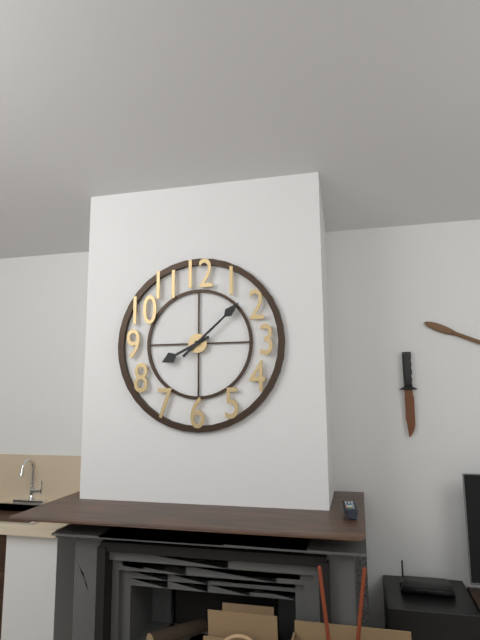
8:08
